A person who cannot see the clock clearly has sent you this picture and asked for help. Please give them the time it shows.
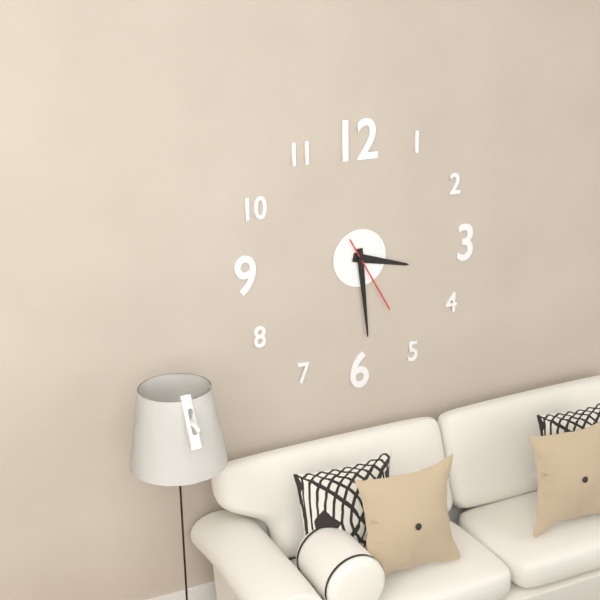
3:29:25
